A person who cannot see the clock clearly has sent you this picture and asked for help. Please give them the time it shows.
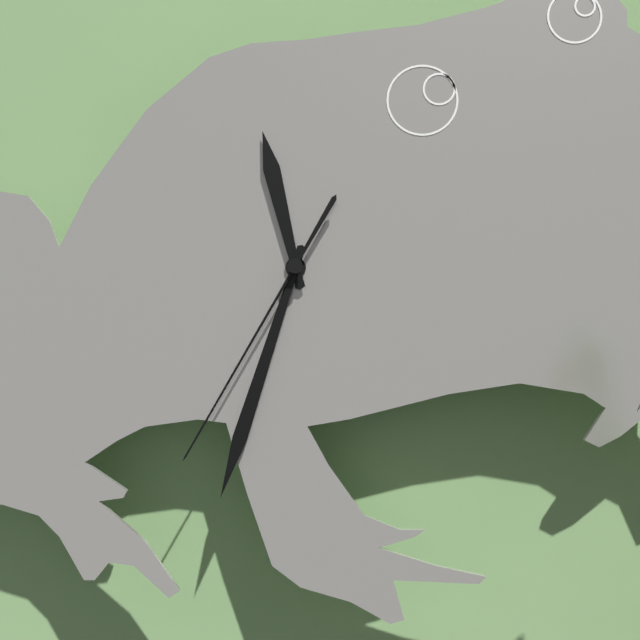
11:33:35
